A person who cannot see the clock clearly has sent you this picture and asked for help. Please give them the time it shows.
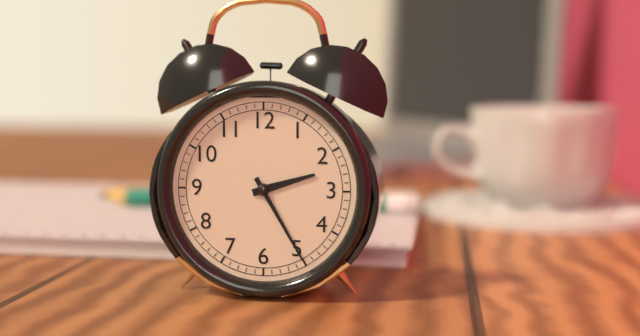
2:25
